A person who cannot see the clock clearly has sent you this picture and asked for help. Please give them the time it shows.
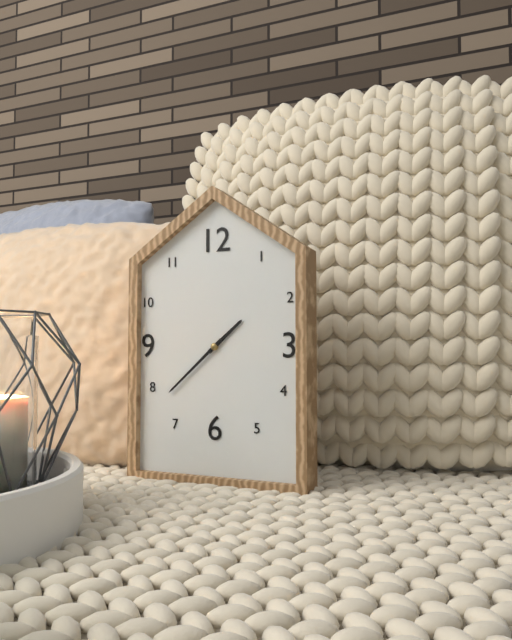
1:38
